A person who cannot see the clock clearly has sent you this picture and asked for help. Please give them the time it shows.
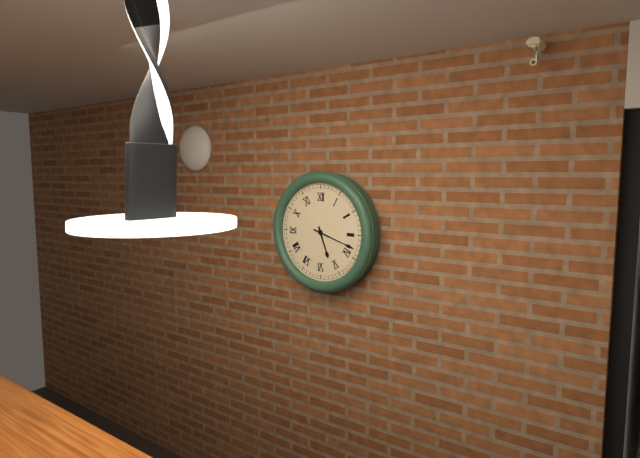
5:18
